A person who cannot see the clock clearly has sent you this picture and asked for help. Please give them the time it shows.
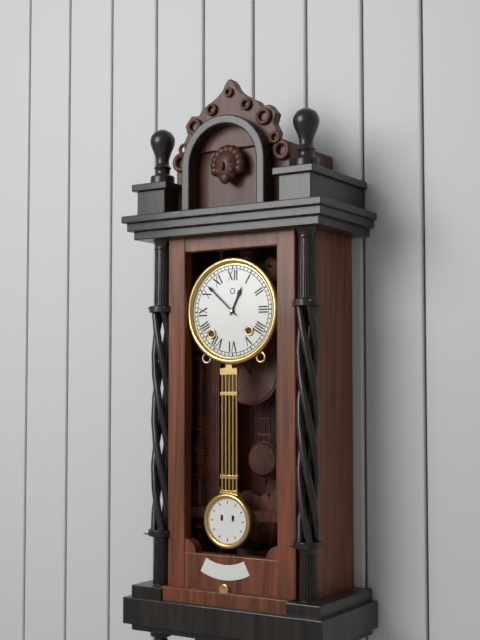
12:52
